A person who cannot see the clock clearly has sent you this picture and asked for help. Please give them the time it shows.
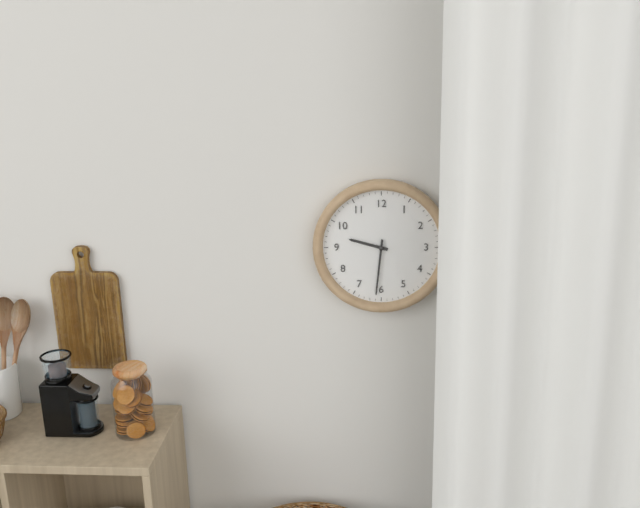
9:31
